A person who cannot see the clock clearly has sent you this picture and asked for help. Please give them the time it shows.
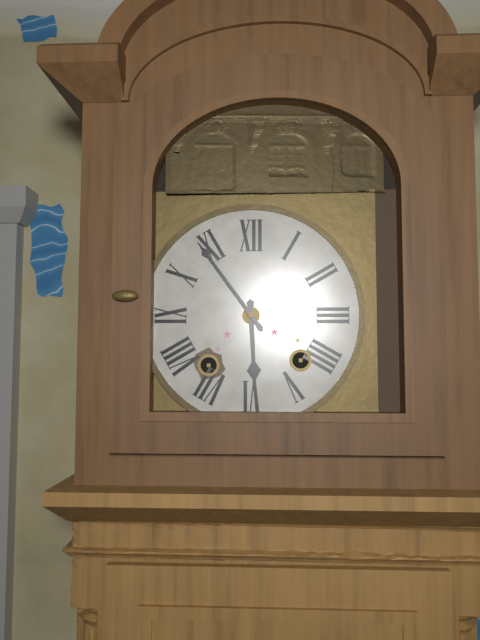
5:54
